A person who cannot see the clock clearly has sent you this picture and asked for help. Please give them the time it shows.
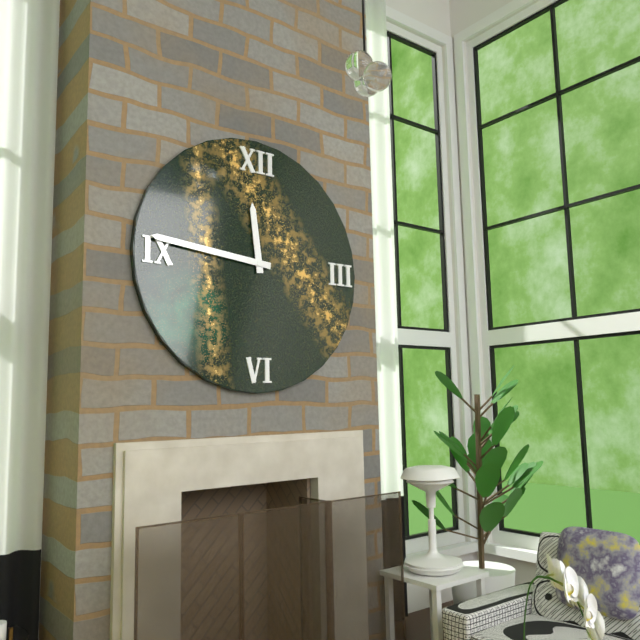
11:46
